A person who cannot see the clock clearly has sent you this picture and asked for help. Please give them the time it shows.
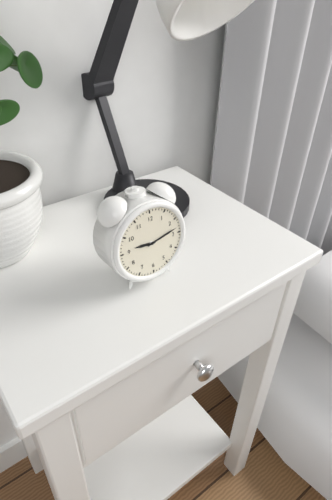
9:13
